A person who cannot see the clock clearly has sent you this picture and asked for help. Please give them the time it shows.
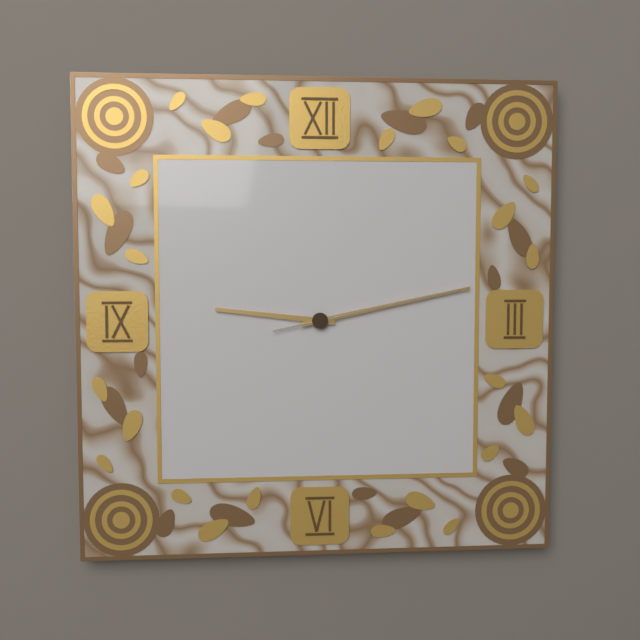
9:13:13
